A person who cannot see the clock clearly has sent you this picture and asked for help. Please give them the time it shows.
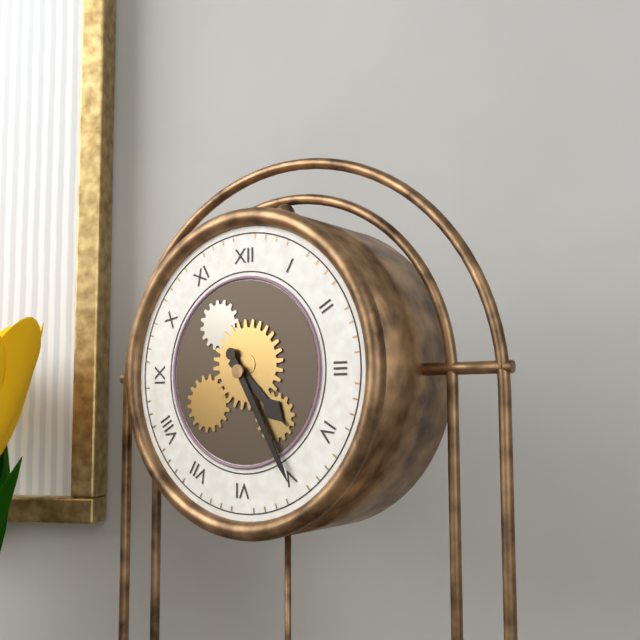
4:25
